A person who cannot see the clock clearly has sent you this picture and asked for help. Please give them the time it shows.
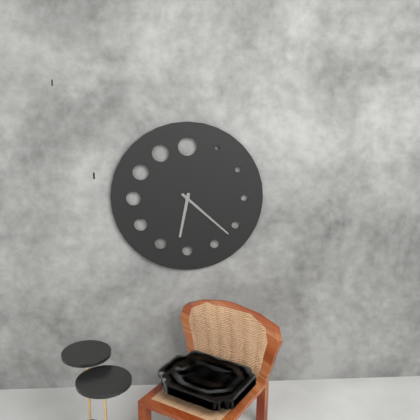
6:22
